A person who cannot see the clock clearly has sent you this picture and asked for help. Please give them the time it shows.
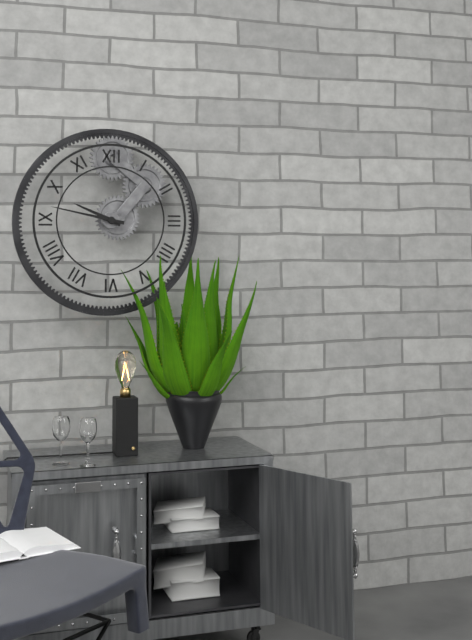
9:47
